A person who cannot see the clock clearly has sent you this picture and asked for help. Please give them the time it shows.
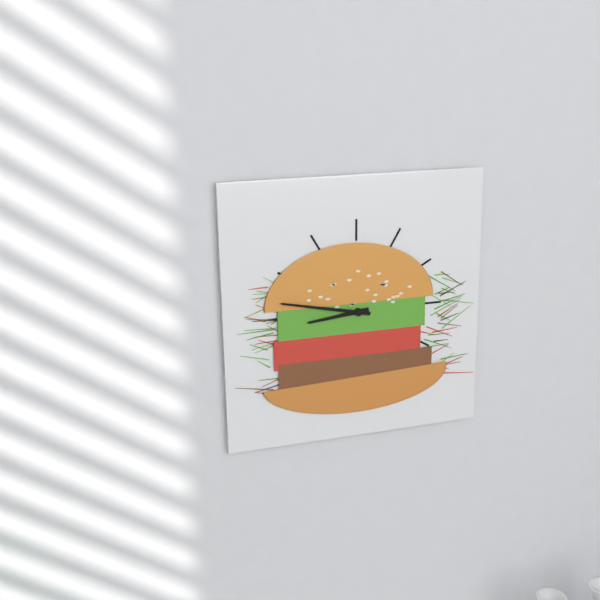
8:47
